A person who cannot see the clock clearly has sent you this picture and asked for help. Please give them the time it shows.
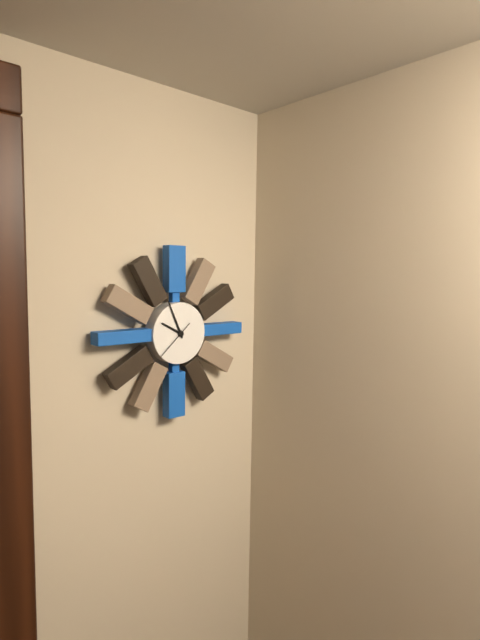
9:56
